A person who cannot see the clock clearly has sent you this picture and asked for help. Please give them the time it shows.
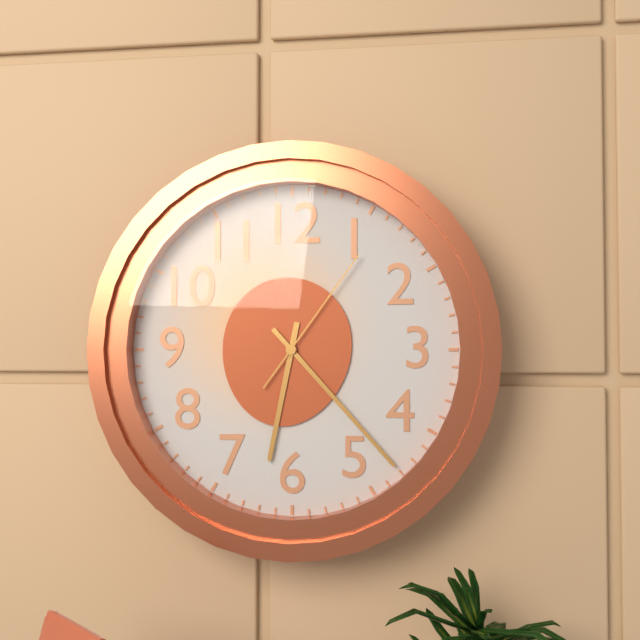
6:23:06
